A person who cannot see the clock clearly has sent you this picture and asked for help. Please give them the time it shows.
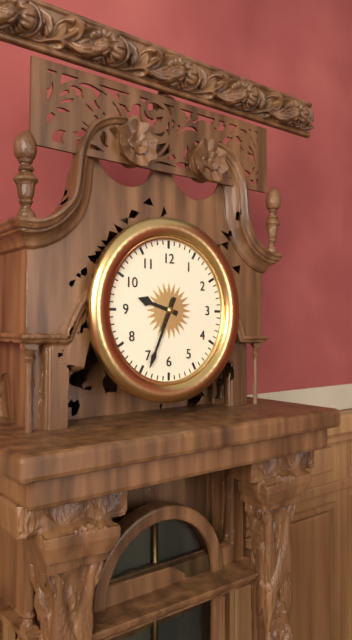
9:34
